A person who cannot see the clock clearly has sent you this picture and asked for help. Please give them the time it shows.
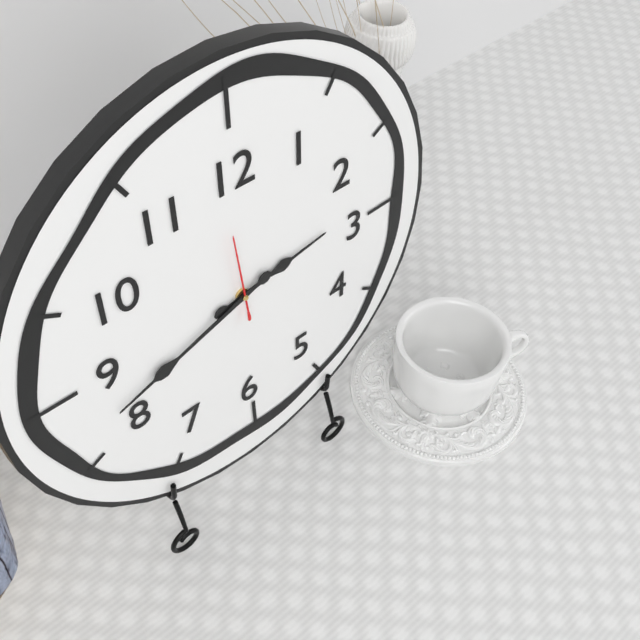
2:42:59
